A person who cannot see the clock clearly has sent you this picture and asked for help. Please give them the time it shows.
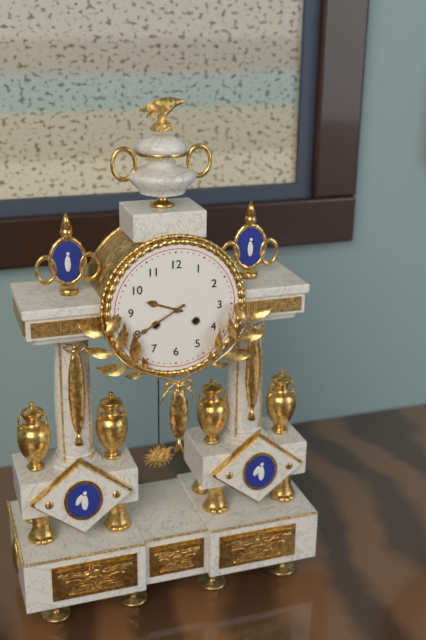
9:40
